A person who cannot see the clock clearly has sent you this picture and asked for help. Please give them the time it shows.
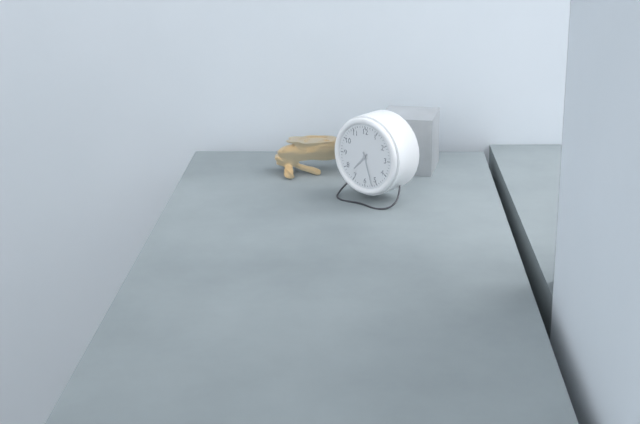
7:27
